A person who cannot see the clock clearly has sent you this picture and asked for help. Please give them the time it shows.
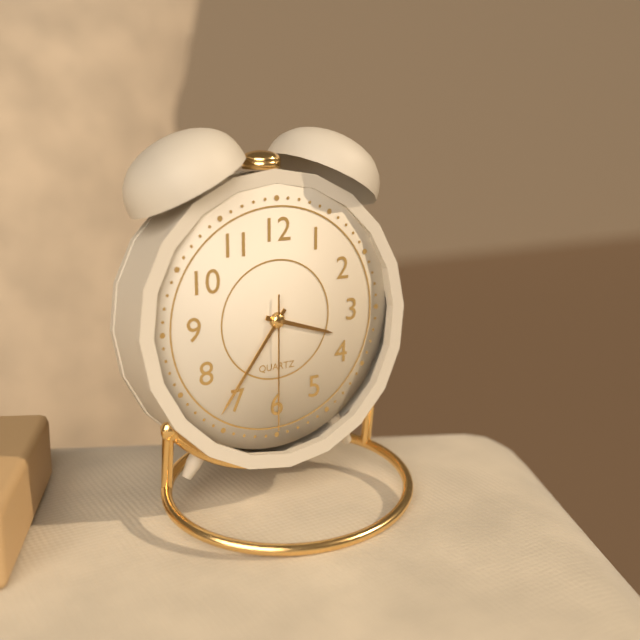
3:36:30
